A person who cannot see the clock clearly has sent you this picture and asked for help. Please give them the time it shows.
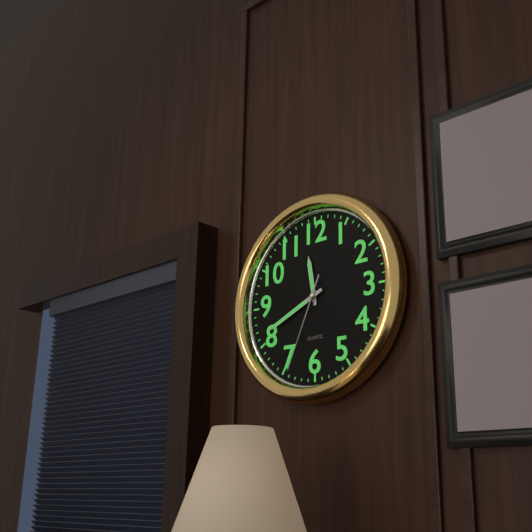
11:41:34
